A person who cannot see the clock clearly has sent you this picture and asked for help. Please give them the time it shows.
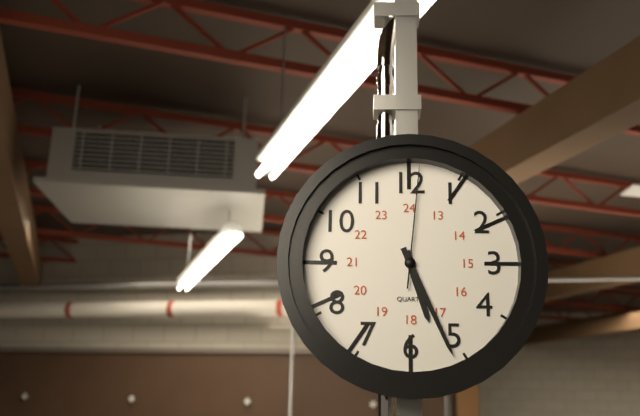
5:26:01
